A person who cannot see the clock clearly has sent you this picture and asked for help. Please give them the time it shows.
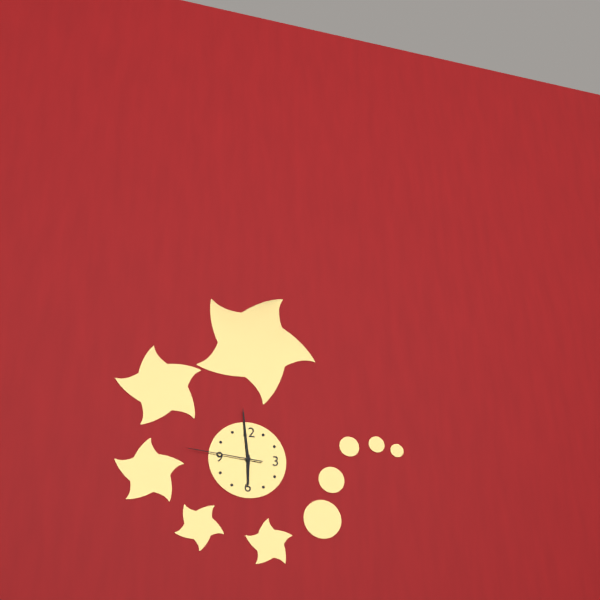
5:59:46
